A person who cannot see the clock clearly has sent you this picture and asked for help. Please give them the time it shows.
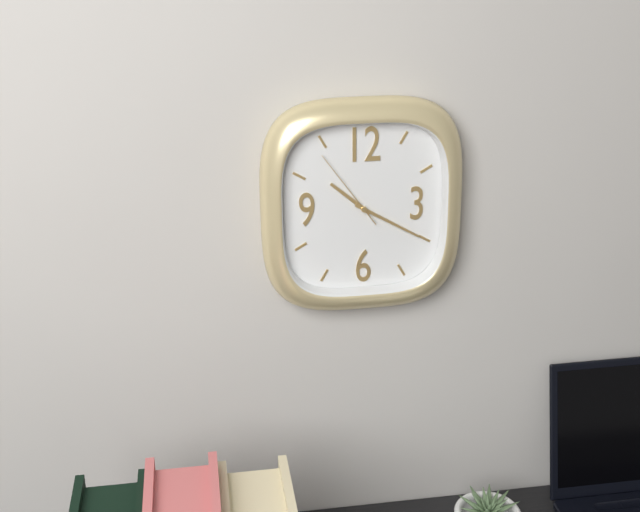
10:20:54
